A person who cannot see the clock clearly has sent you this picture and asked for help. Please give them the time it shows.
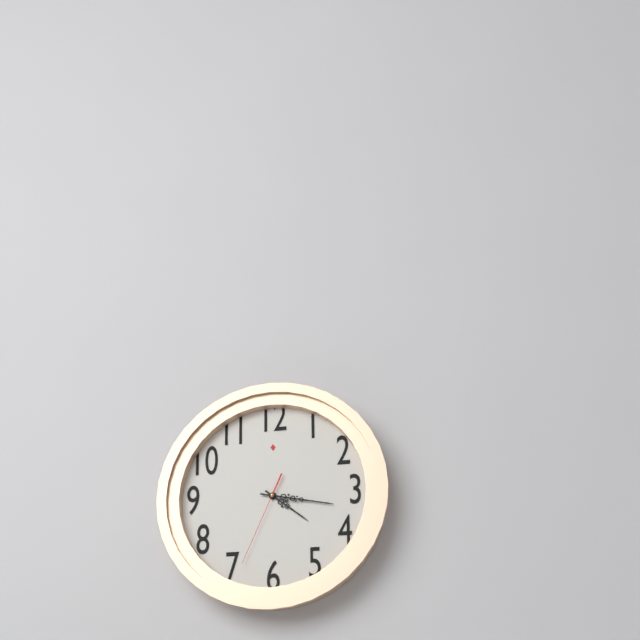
4:17:34
